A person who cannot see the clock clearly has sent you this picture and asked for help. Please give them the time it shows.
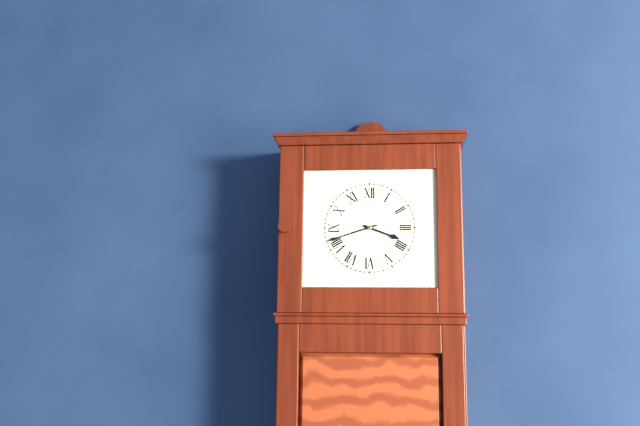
3:42
